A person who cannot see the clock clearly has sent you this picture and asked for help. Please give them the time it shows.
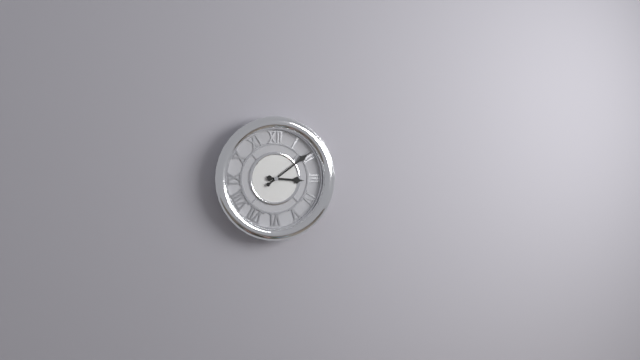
3:09
